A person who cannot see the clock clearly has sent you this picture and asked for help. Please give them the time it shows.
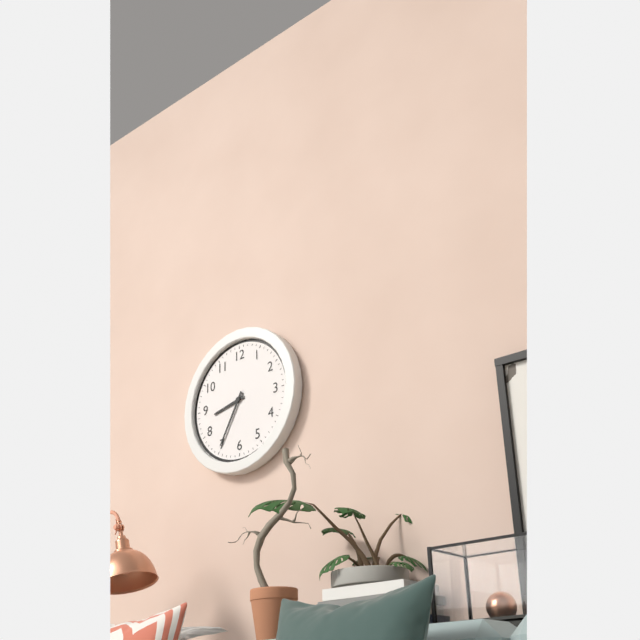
8:35
